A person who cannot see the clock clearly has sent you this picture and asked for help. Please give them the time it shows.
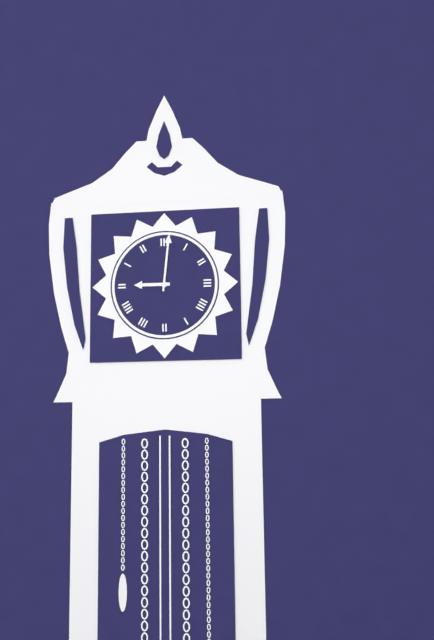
9:01
